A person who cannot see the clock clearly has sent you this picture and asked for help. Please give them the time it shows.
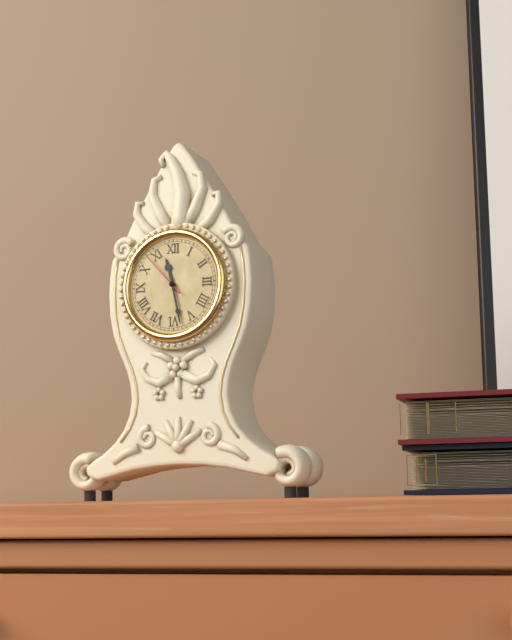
11:28:53
